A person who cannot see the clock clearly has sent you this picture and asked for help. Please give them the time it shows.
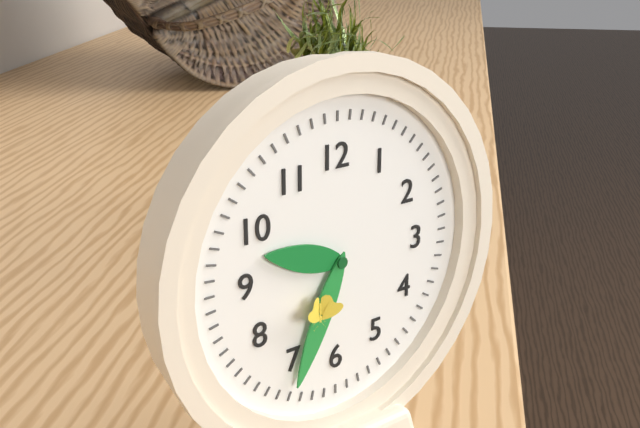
9:34
